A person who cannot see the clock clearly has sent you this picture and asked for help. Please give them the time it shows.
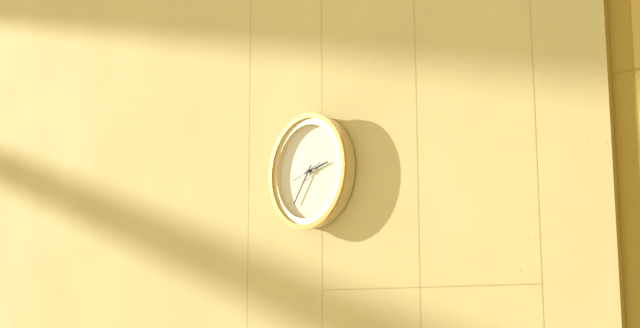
2:36
